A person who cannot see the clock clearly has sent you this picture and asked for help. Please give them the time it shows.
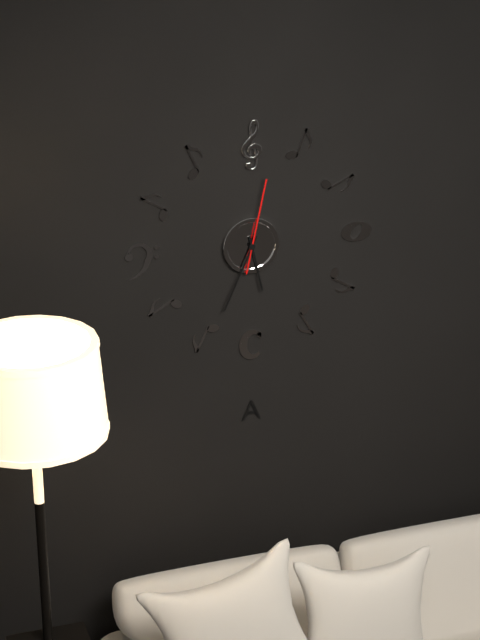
5:34:02
